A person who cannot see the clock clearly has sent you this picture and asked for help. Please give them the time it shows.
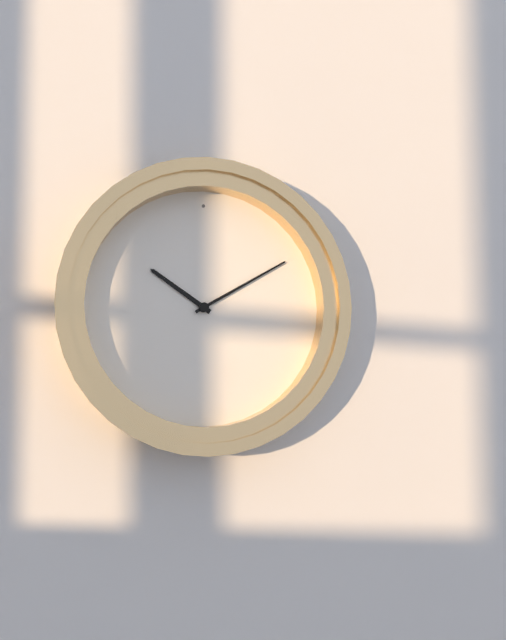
10:10
